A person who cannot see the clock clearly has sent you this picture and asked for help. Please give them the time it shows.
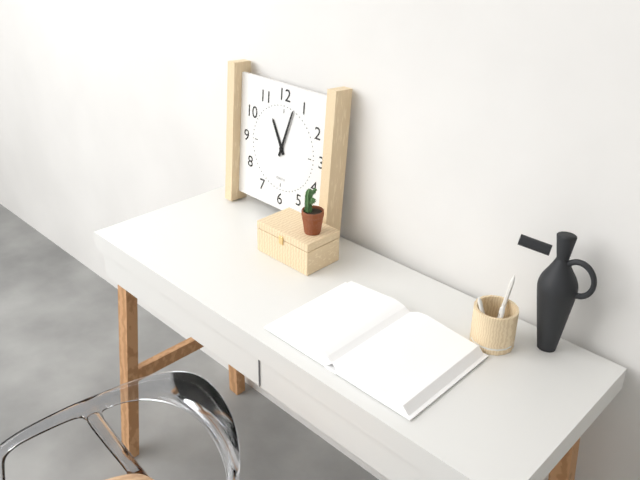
11:03
